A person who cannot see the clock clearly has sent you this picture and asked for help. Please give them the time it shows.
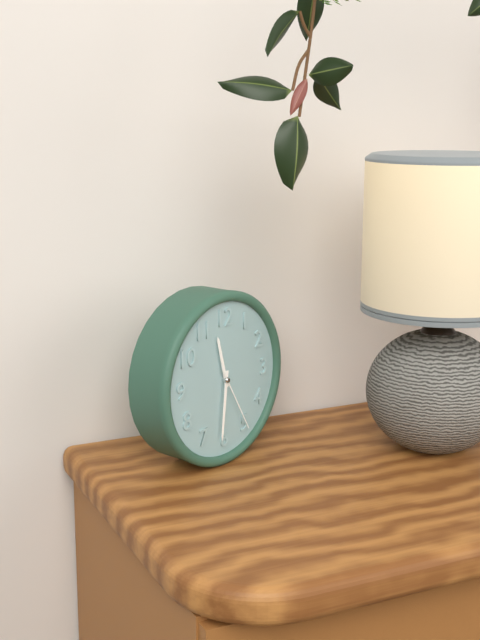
11:31:25
